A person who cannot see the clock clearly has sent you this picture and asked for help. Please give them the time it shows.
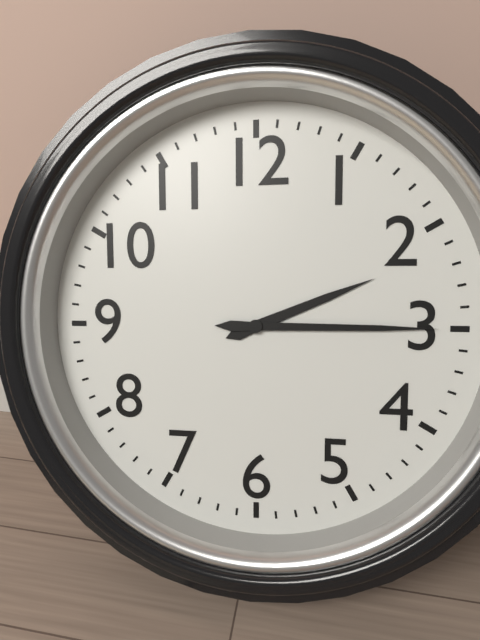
2:15
